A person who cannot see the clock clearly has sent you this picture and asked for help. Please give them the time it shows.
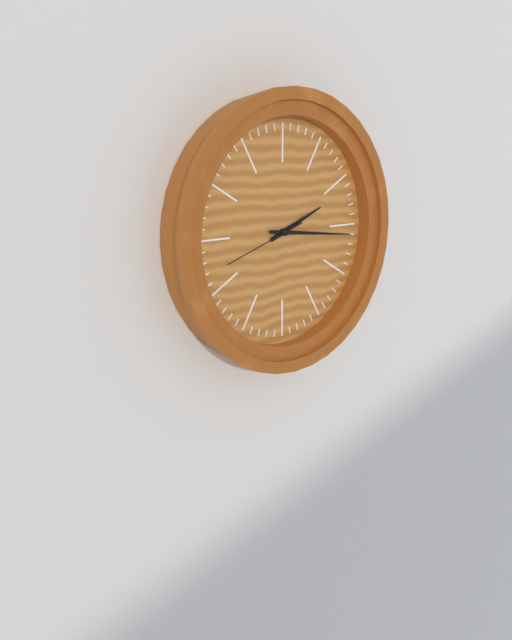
2:16:42
